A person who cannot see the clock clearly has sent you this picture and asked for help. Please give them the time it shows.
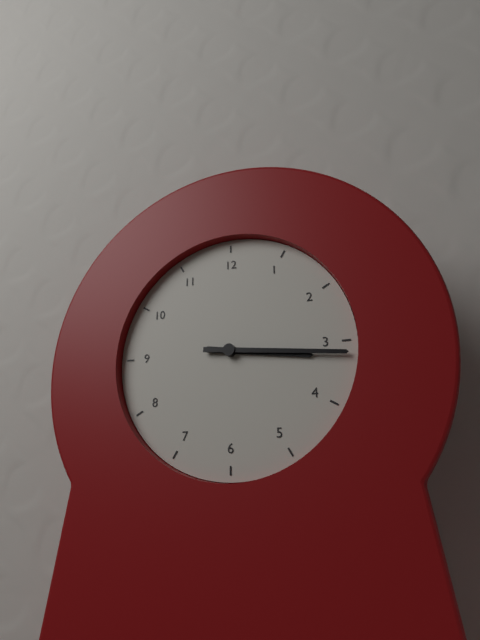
3:16
